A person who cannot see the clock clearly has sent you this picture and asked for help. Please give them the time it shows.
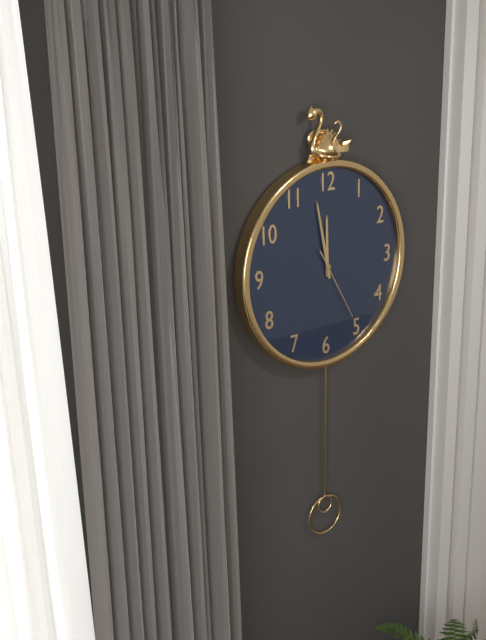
11:58:25
